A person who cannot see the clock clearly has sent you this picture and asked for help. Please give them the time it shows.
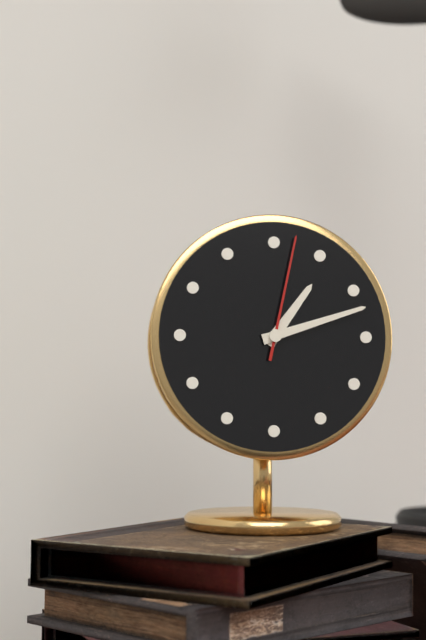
1:12:02
